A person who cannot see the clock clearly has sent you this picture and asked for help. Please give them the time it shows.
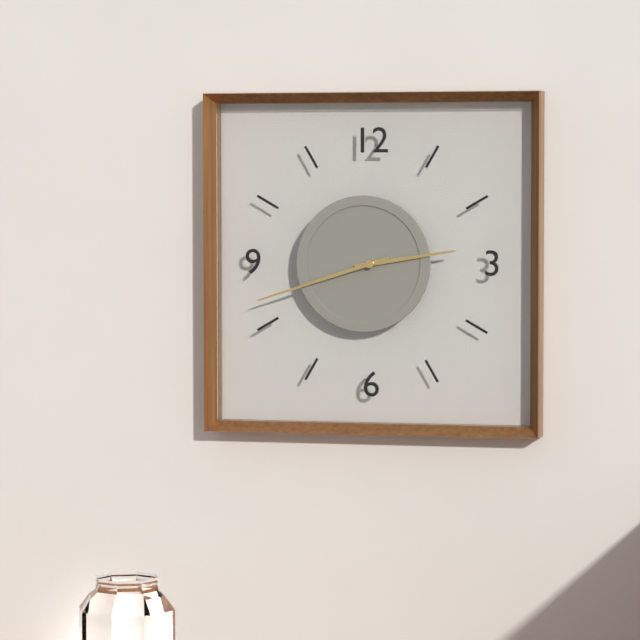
2:42
